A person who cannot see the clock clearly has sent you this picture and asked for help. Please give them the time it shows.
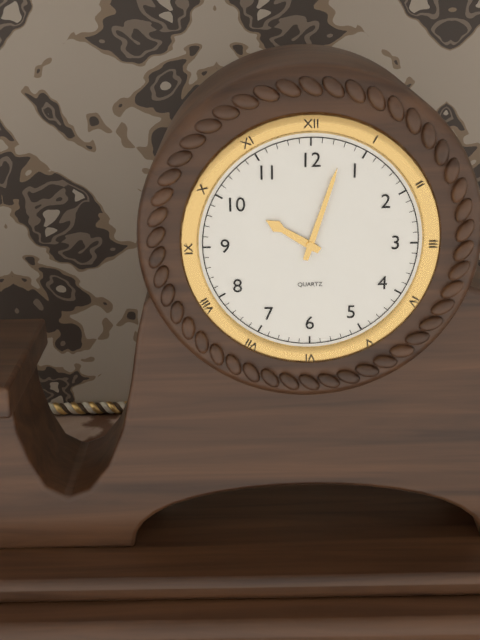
10:03
